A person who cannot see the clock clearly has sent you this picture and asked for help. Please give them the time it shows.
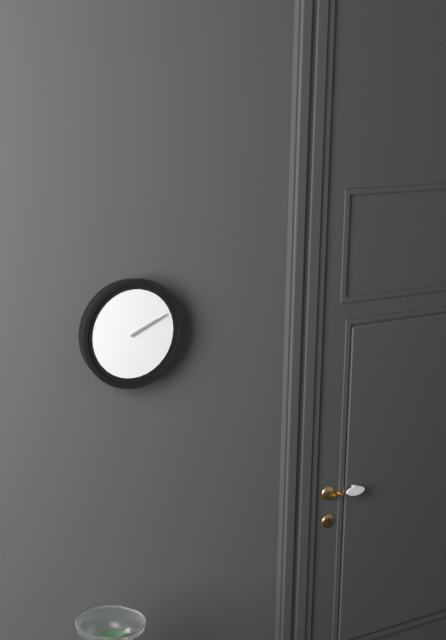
2:11
